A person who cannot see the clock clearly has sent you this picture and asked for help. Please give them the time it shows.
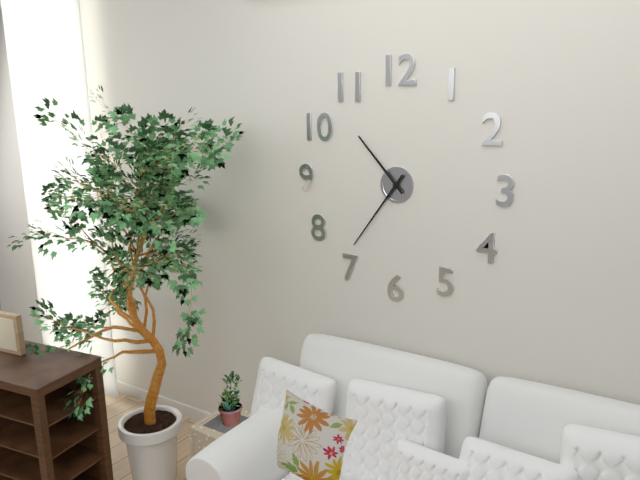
10:36
